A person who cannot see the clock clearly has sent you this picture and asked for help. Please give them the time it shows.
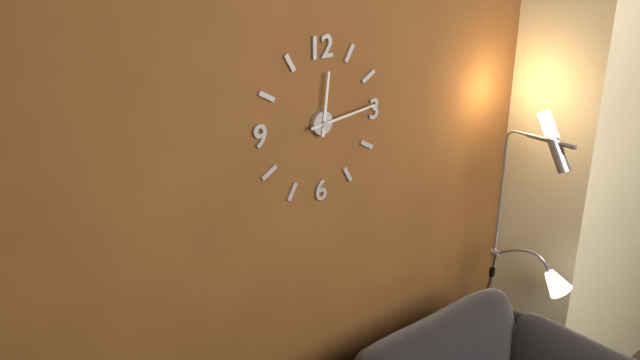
12:14
